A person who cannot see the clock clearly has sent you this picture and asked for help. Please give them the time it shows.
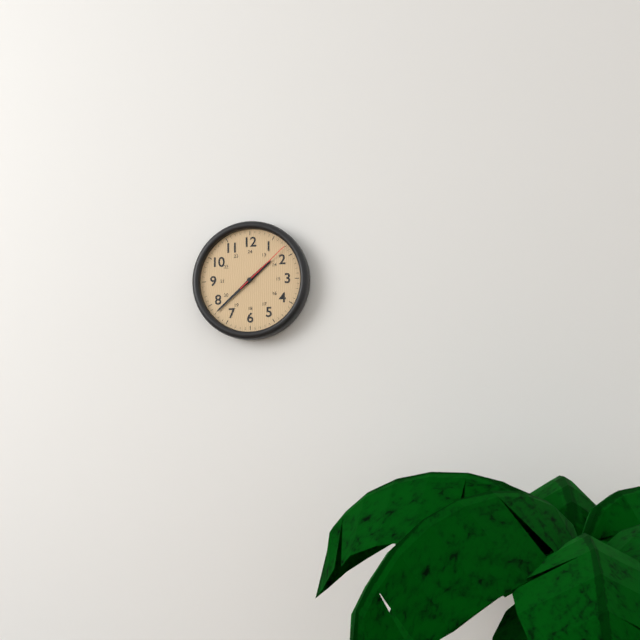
1:38:08
